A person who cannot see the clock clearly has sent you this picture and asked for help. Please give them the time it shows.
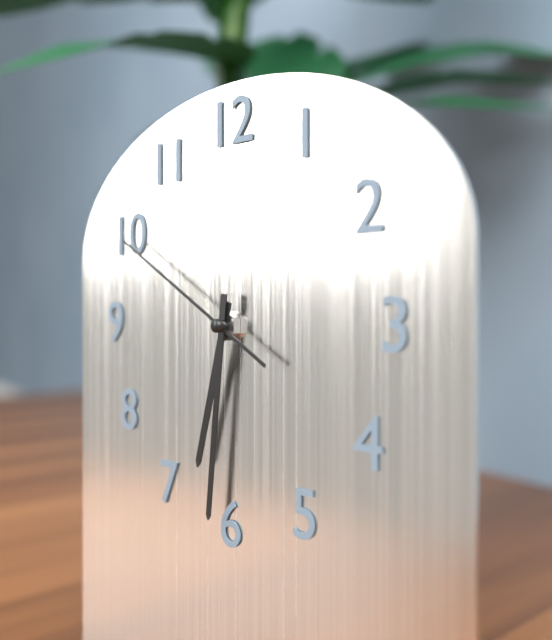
6:31:50
